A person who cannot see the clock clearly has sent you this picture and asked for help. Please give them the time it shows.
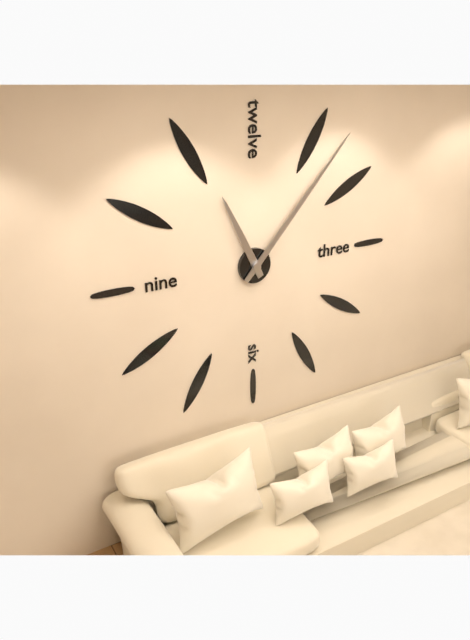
11:07
